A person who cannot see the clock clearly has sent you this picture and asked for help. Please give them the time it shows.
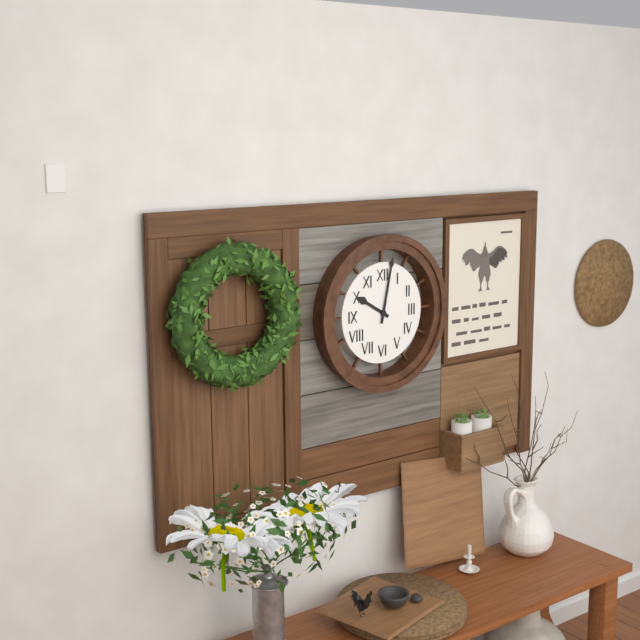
10:02
